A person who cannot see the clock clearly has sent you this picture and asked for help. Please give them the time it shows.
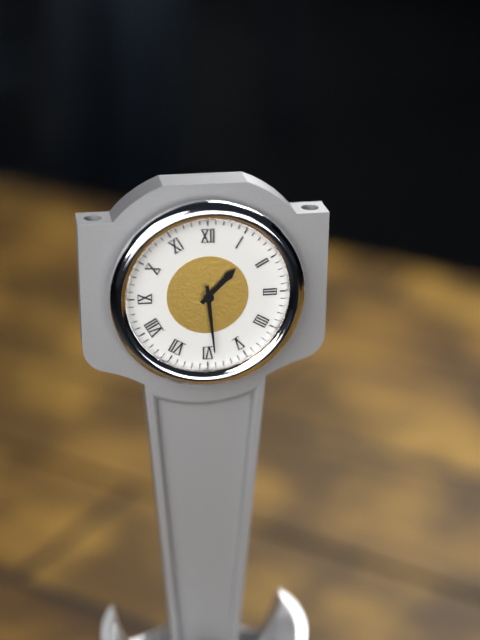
1:29
